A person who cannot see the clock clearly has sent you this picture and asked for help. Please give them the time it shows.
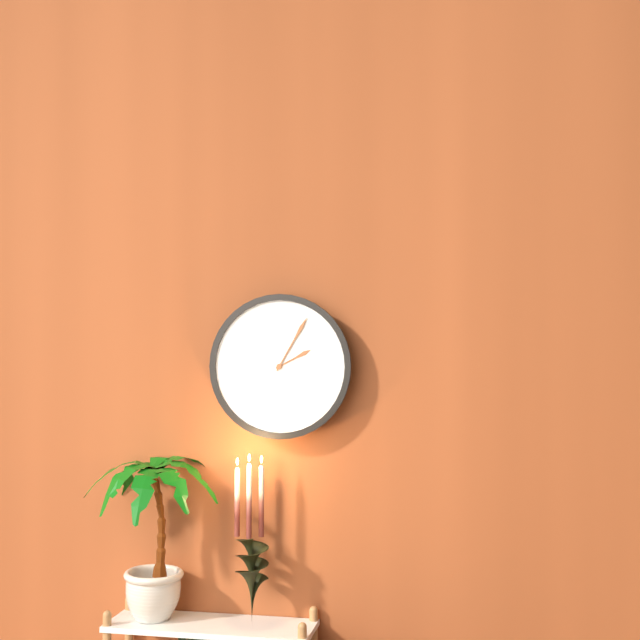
2:05
